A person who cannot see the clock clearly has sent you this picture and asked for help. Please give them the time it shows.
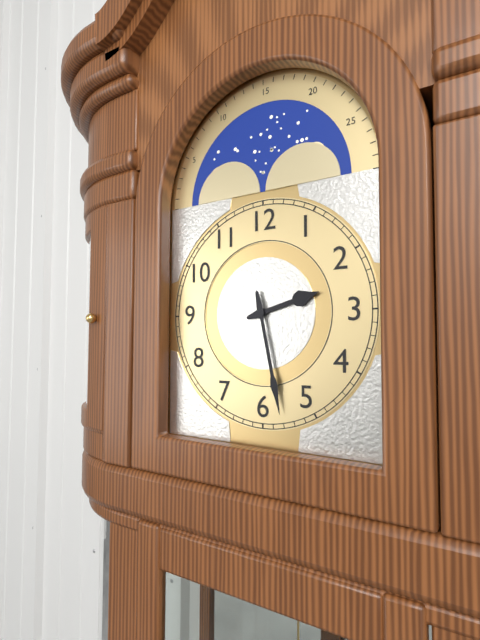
2:28
